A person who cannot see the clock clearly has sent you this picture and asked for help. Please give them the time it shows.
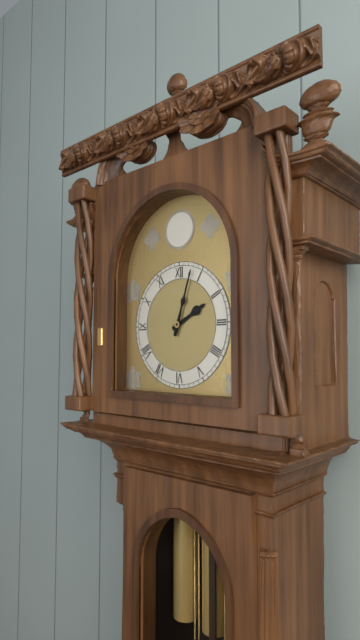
2:03
